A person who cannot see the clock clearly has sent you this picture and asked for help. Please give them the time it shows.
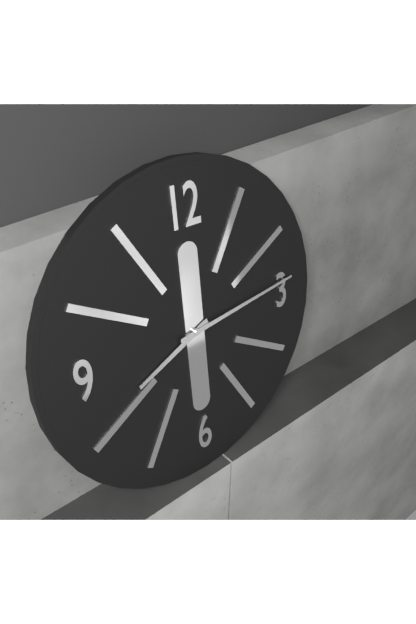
8:14
